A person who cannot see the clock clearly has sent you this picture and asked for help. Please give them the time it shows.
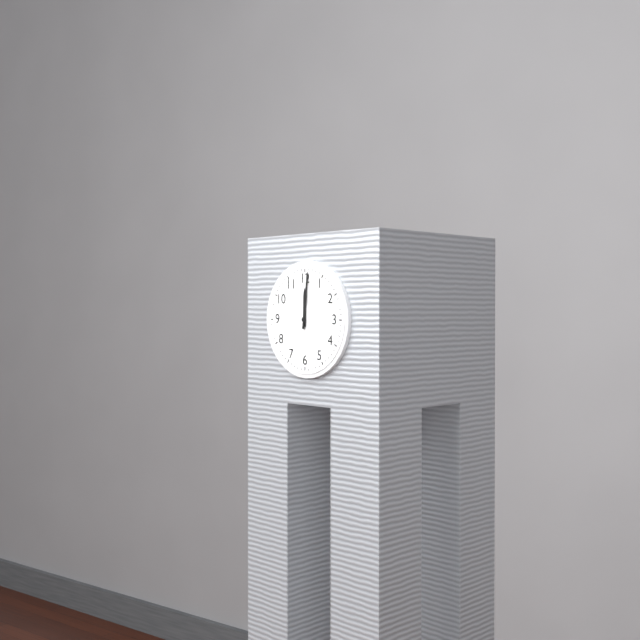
12:01
